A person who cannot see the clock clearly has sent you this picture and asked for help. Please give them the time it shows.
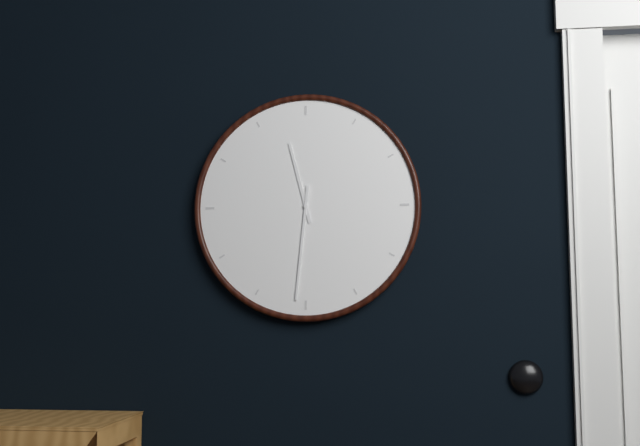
11:31
